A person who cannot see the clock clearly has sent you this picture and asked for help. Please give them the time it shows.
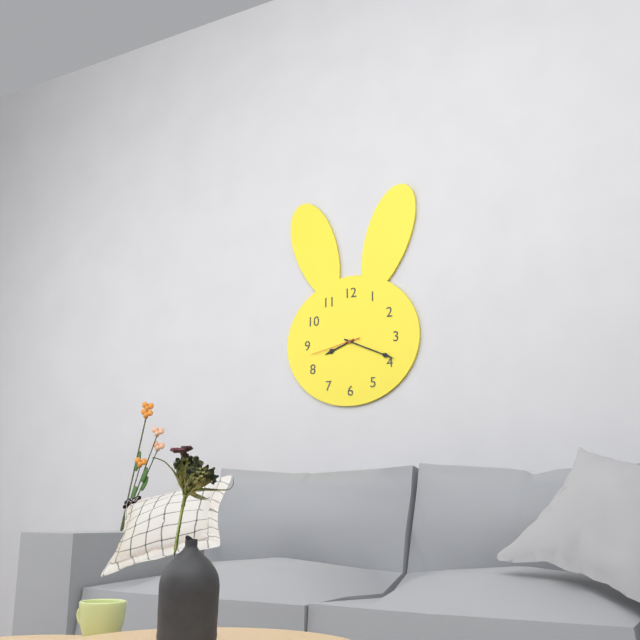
8:19:43
